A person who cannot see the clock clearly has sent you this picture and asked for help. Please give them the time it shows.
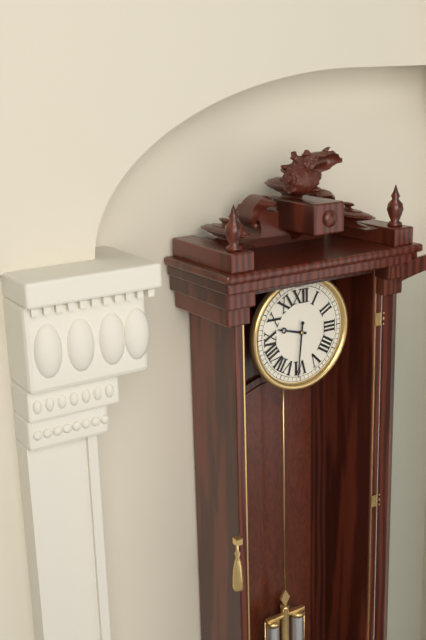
9:31
